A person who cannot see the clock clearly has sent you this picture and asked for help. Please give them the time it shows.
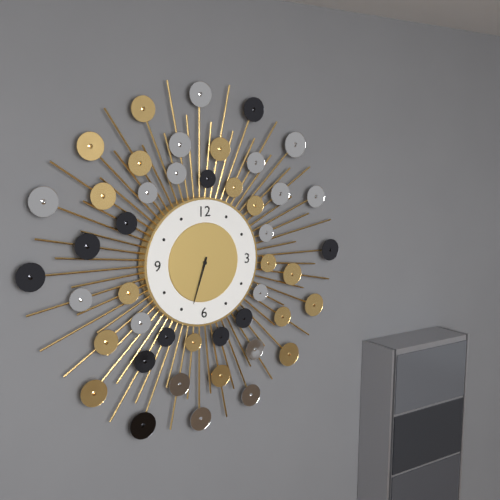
6:33
